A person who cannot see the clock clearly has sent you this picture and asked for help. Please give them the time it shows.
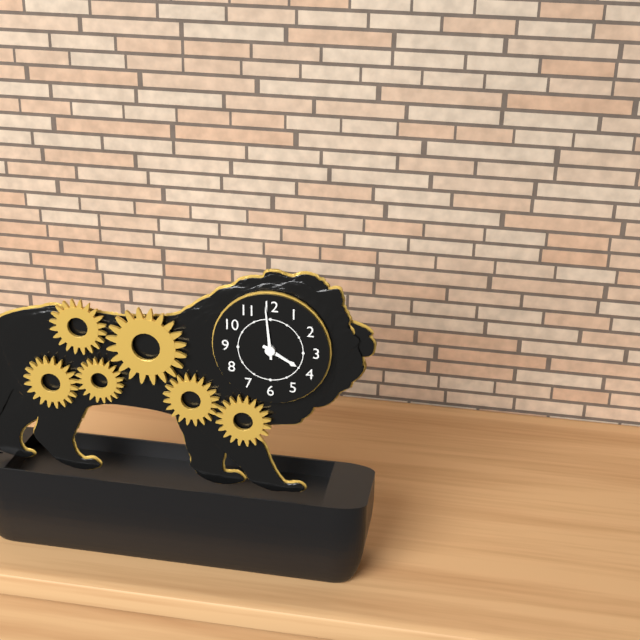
3:59
